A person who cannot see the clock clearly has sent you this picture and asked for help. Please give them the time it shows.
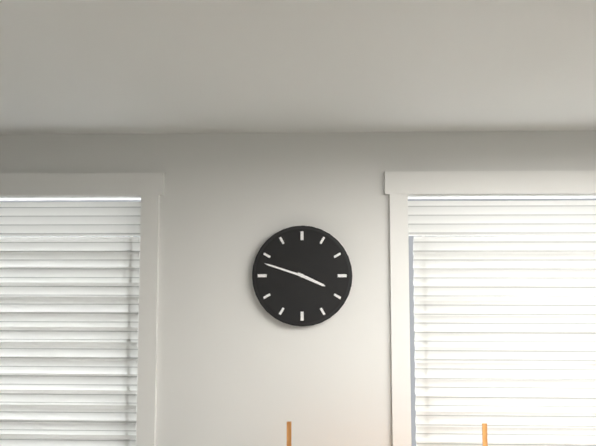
3:48
